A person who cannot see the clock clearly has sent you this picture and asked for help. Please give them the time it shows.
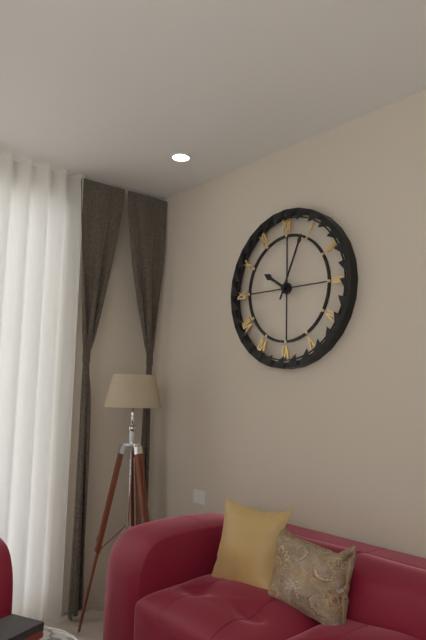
10:04
